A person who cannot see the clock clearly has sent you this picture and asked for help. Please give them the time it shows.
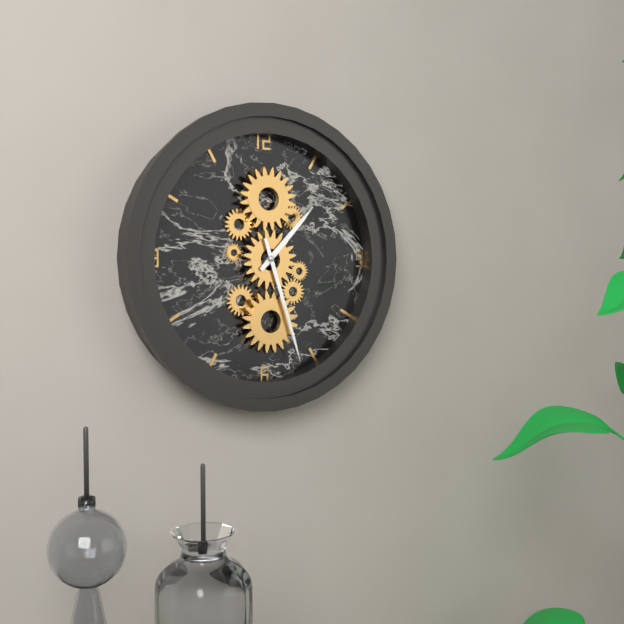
1:27
